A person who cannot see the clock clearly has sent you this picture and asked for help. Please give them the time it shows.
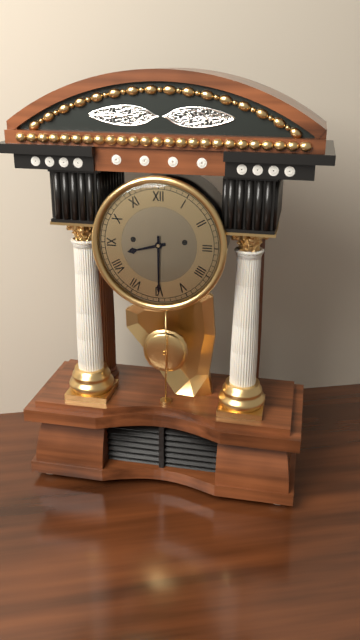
8:30
